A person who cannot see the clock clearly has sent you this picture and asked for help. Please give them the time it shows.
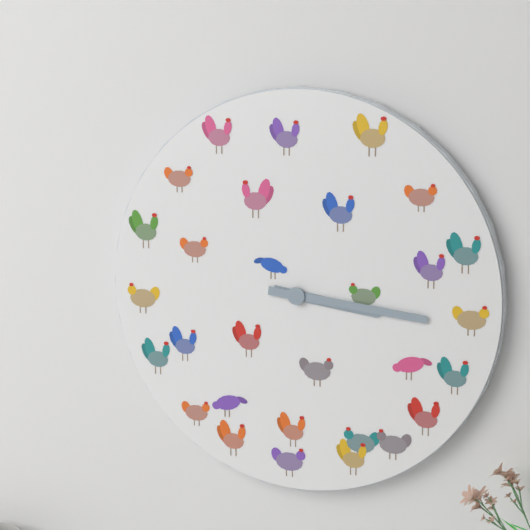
3:16
